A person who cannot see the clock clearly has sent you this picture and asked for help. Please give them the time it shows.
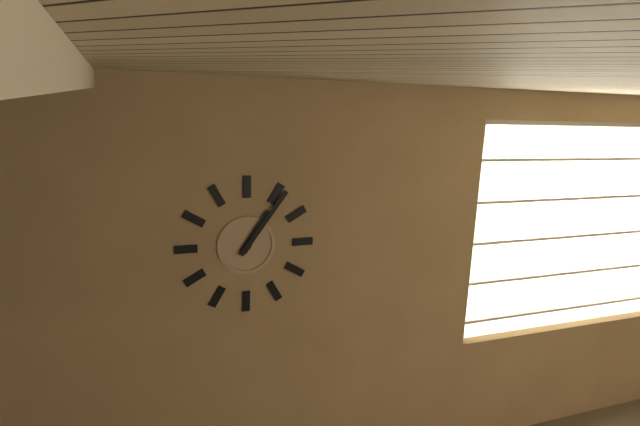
1:06
